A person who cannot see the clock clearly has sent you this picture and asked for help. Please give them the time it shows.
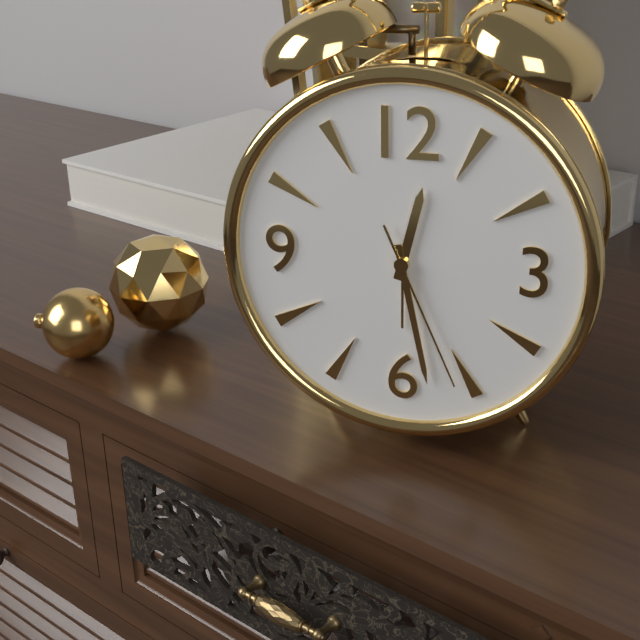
12:28:26
